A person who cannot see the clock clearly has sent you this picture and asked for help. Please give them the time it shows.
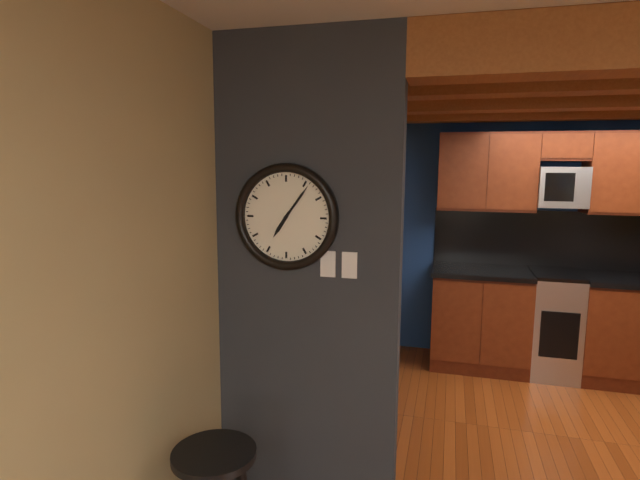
7:06
